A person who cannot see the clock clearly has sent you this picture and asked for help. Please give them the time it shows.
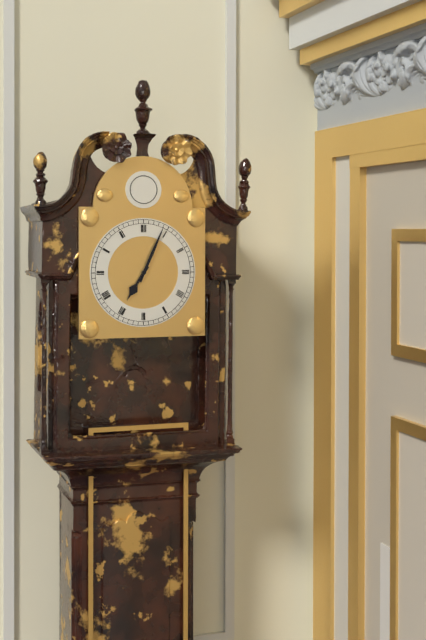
7:04
